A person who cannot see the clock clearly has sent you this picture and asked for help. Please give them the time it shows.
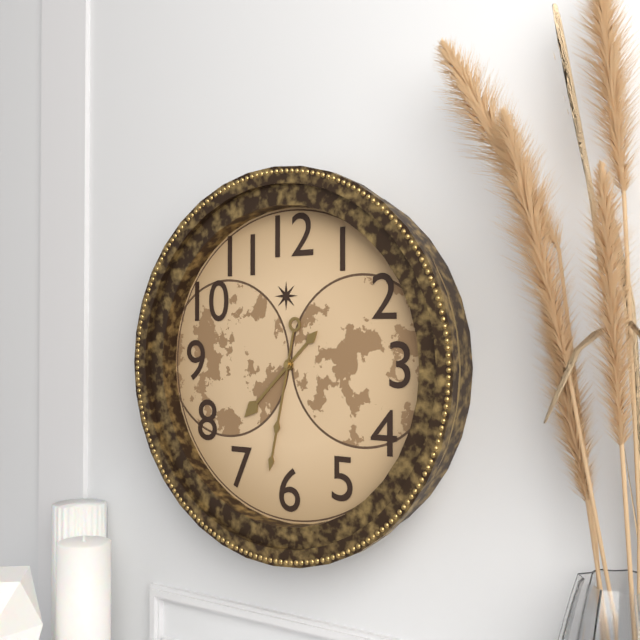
7:32
